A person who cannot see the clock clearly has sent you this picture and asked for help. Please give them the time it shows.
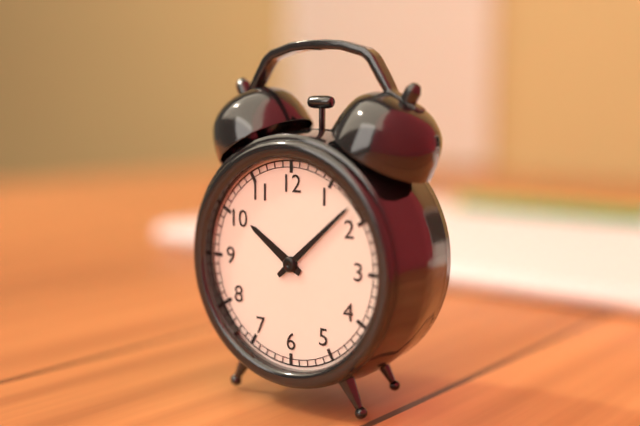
10:08
